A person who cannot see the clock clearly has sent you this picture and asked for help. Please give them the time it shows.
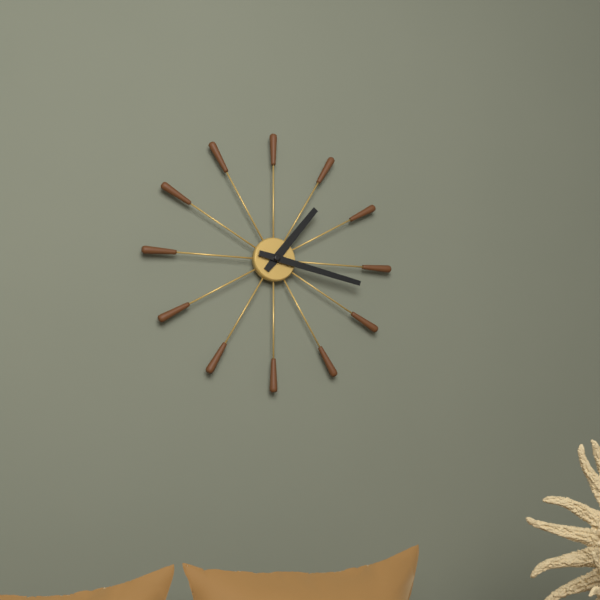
1:17
